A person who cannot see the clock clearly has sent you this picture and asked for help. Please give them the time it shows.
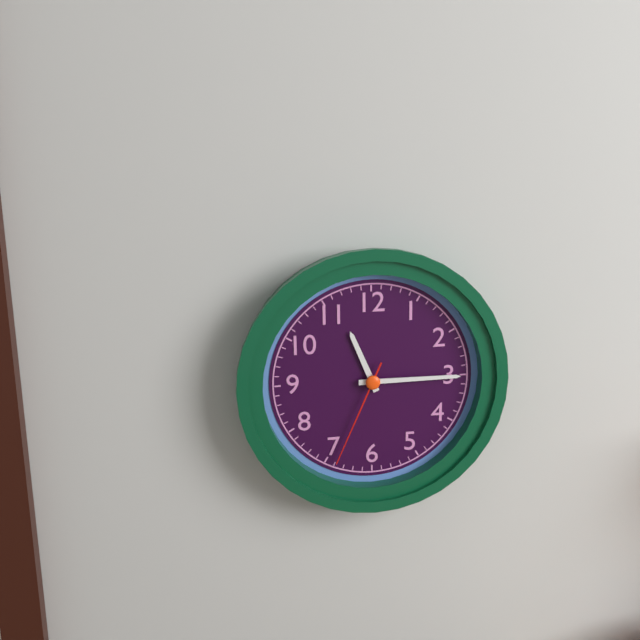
11:15:34
